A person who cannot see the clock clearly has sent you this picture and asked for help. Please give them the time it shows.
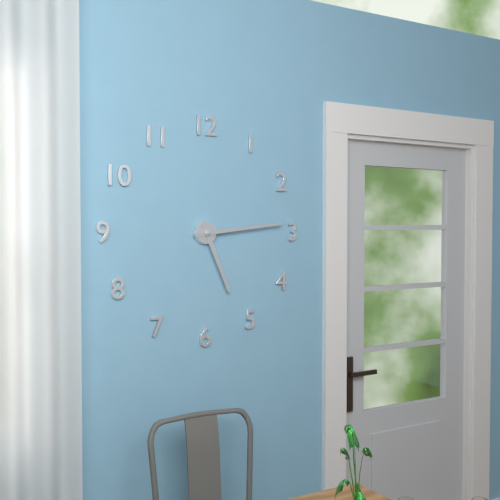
5:14
